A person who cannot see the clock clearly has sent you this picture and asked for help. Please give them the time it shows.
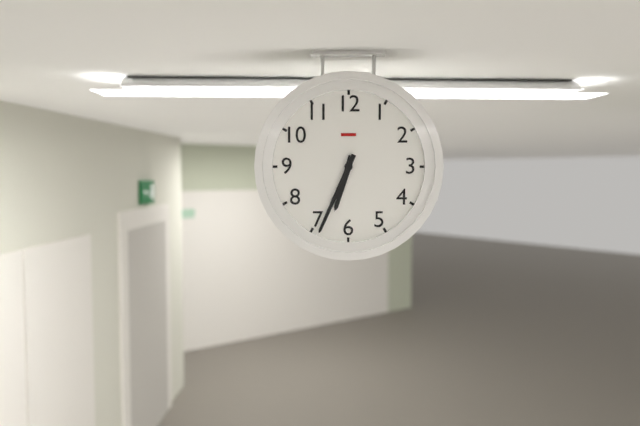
6:34
